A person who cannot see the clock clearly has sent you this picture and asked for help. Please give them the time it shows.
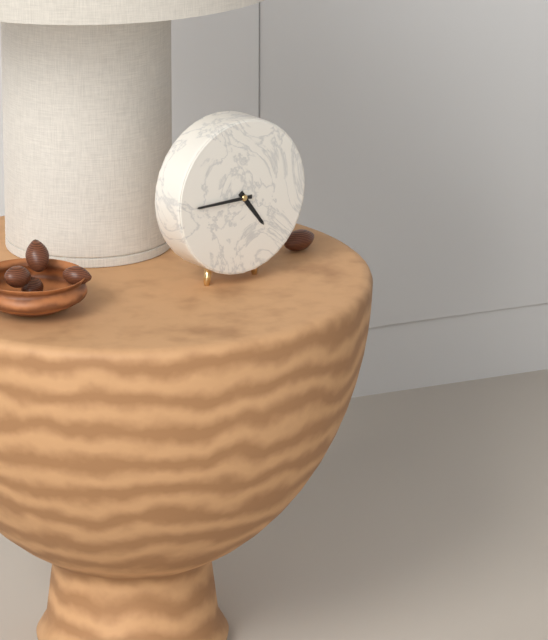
4:45
